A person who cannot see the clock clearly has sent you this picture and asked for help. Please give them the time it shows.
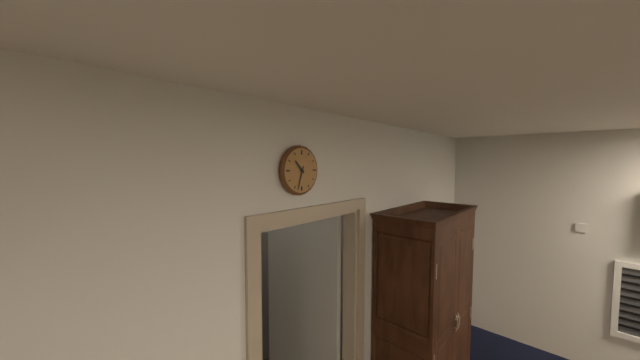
10:33
